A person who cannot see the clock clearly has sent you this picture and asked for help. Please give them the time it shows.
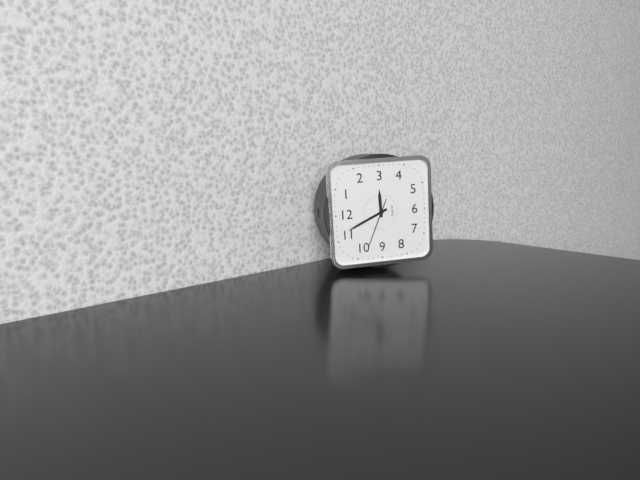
2:56
